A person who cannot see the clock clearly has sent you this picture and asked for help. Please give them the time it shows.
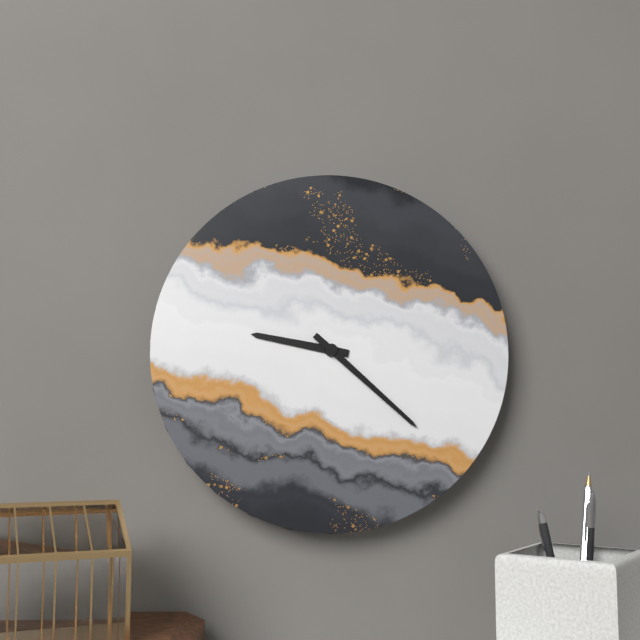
9:22
